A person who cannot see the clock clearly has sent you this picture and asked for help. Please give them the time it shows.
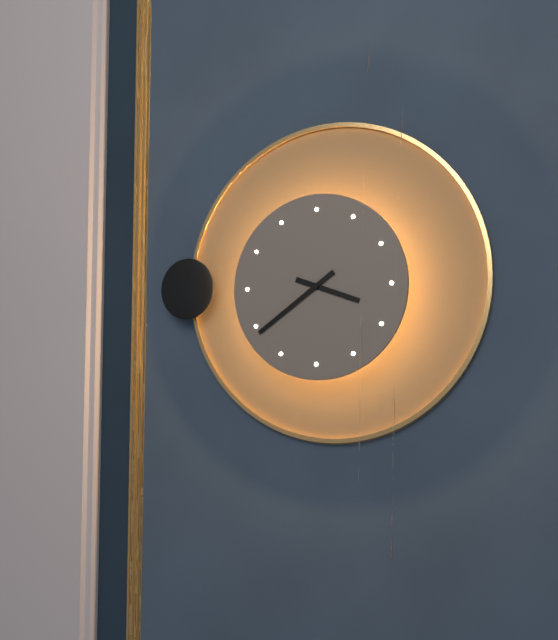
3:39
